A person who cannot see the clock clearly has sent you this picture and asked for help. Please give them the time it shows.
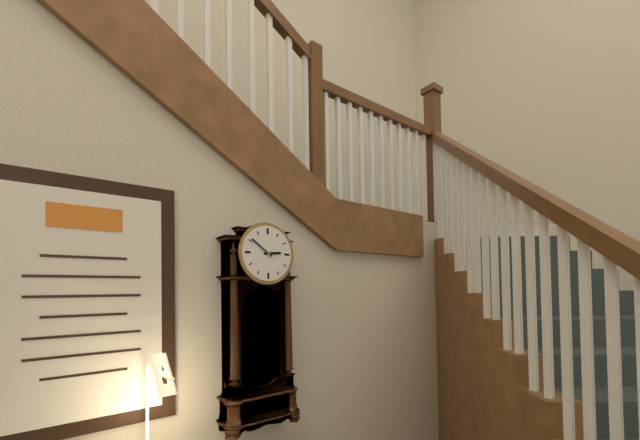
2:51
